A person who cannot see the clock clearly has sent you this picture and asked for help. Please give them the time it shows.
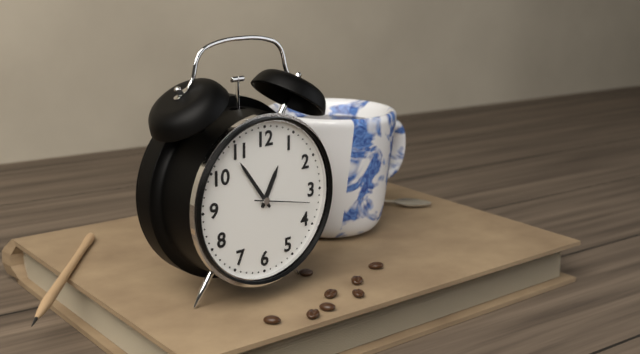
12:54:17
